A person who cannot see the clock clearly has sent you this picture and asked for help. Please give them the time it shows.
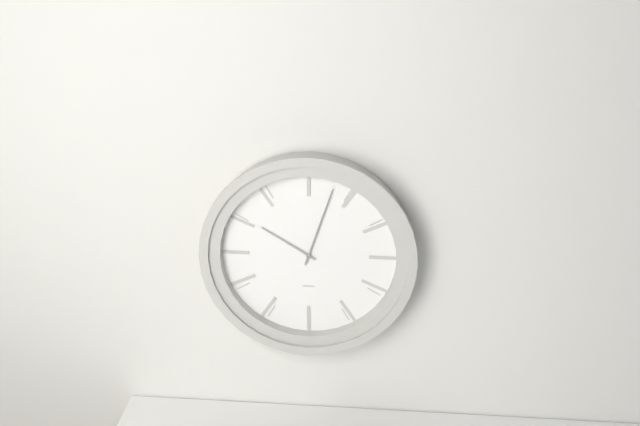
10:03
